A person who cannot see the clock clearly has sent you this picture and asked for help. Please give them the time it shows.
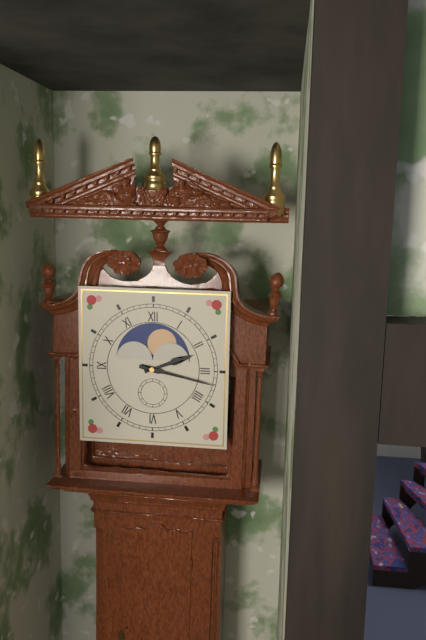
2:17
